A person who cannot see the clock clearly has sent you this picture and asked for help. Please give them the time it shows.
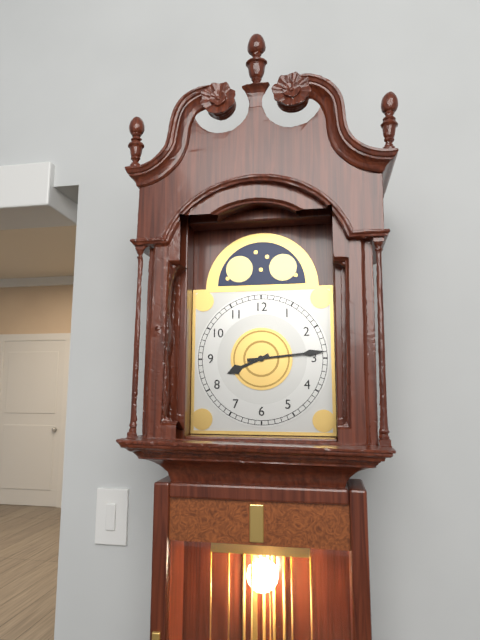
8:14
